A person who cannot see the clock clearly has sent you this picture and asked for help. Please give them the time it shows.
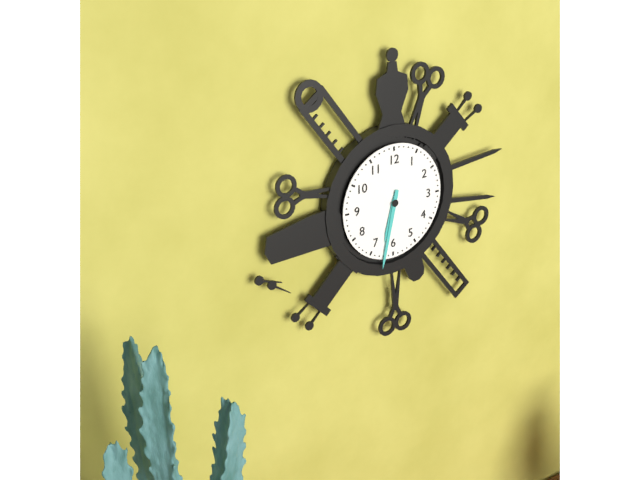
6:32
